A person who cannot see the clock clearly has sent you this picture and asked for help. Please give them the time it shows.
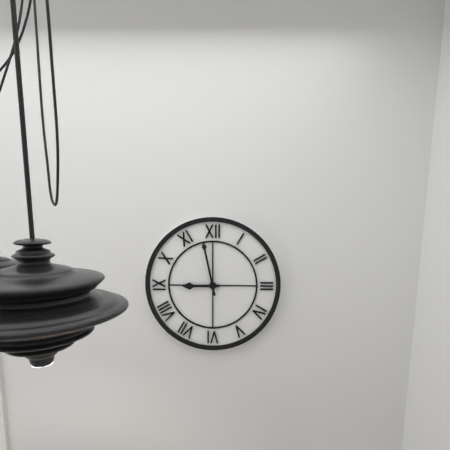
8:58
